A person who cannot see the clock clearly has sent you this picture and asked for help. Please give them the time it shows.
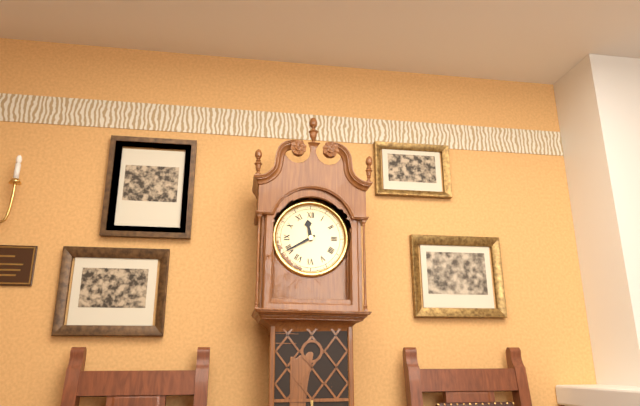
11:40
